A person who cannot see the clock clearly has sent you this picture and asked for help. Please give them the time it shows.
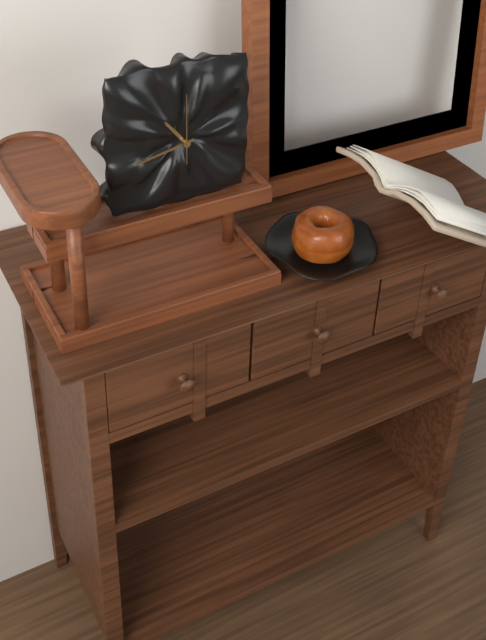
10:43:00
